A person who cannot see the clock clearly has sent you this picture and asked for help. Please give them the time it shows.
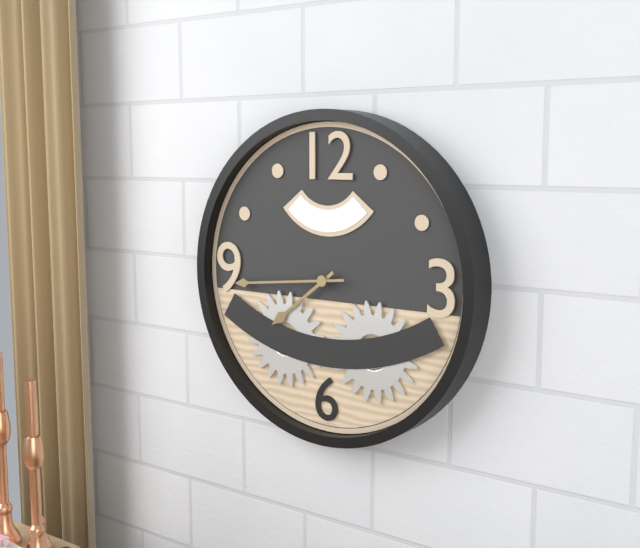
7:44
